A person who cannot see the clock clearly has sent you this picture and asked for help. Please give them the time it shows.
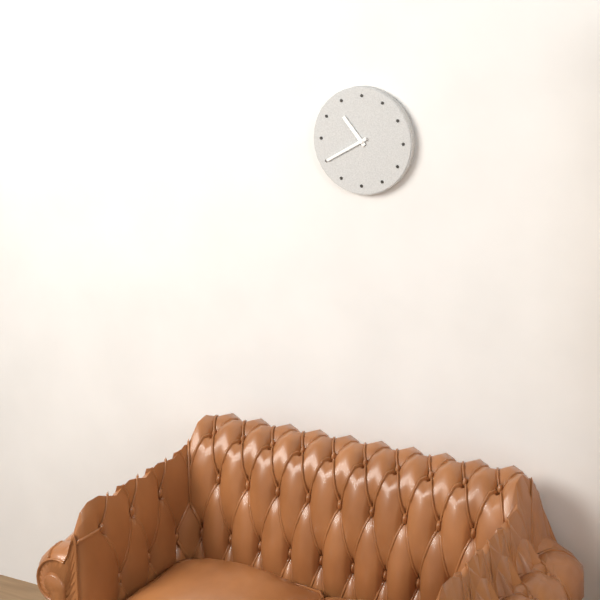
10:40
